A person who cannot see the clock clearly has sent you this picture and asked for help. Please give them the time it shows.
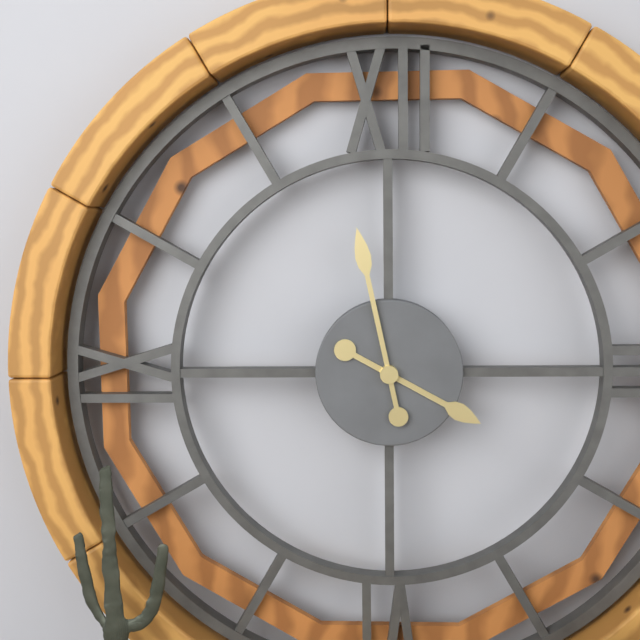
3:58
